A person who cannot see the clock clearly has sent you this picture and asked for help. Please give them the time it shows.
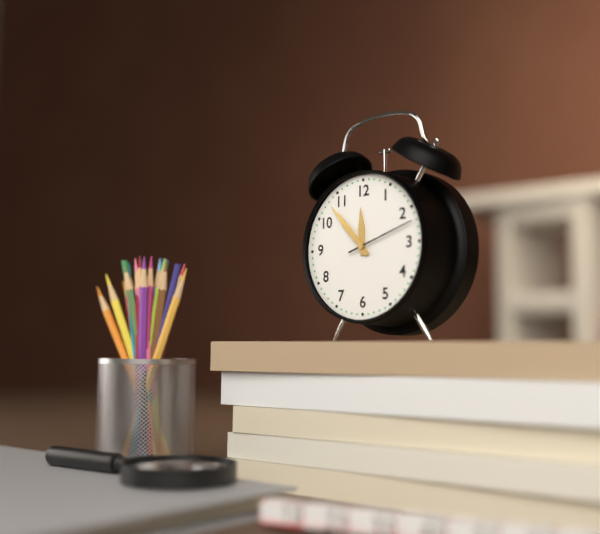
11:53:12
